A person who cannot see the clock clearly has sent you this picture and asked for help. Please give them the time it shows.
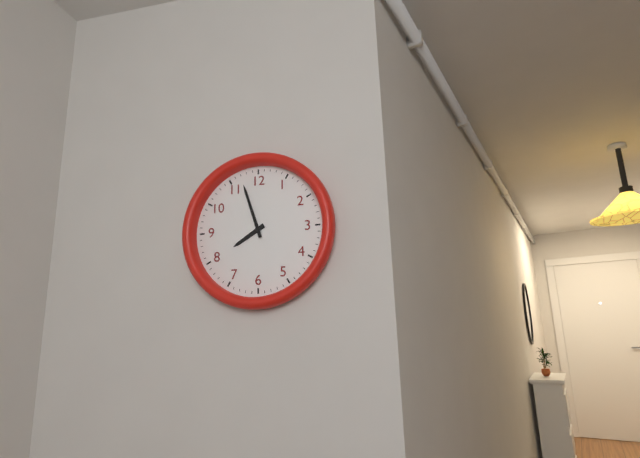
7:57
